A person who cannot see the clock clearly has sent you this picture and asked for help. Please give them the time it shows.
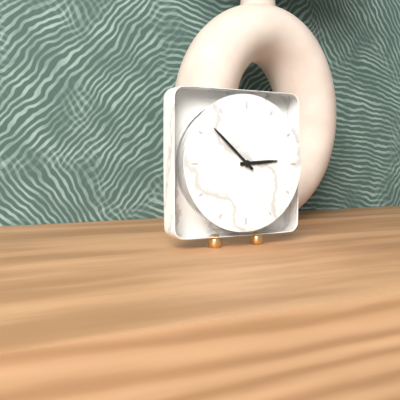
2:52
